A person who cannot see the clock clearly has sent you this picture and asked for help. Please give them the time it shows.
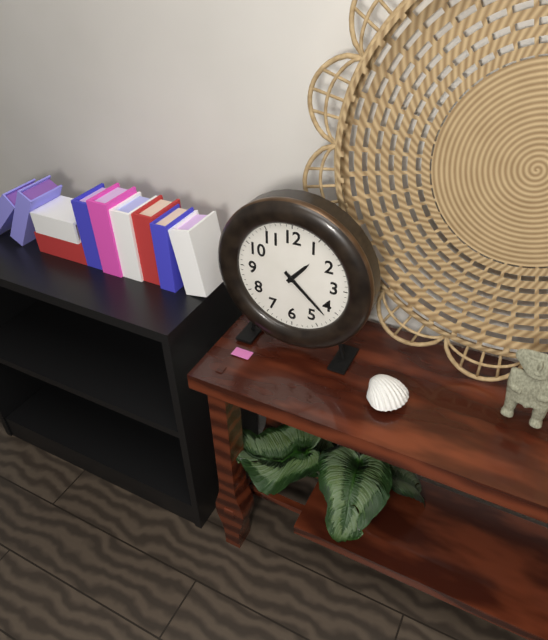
1:22
